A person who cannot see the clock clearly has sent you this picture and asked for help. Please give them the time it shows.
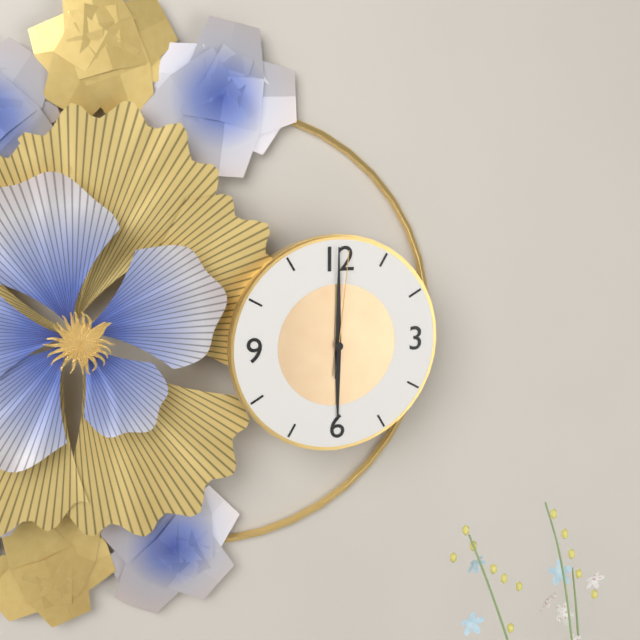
6:00:01
